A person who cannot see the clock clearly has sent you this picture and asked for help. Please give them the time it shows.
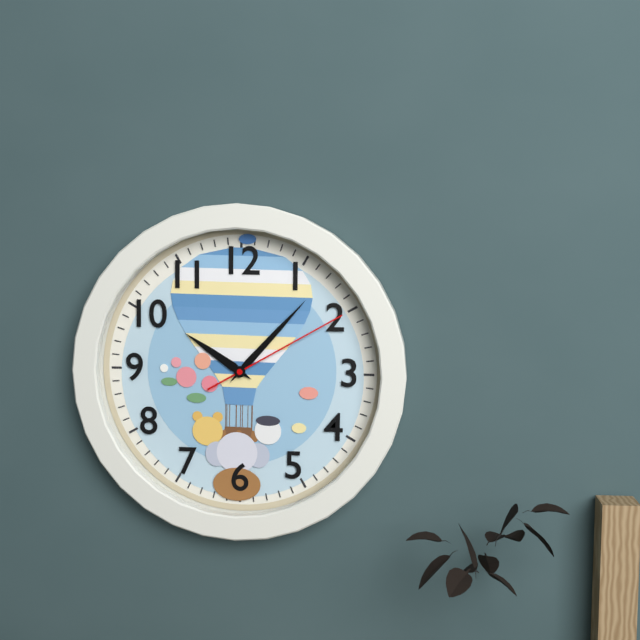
10:07:10
